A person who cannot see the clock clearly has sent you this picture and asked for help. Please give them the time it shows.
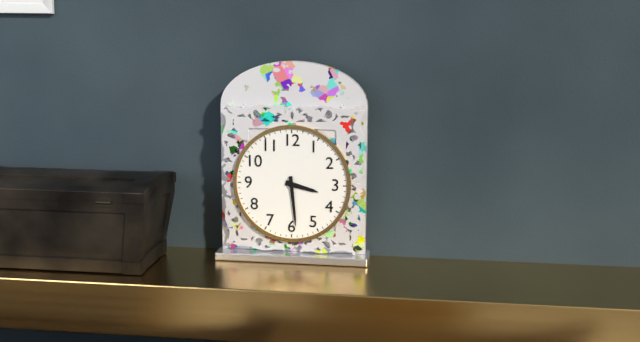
3:29
